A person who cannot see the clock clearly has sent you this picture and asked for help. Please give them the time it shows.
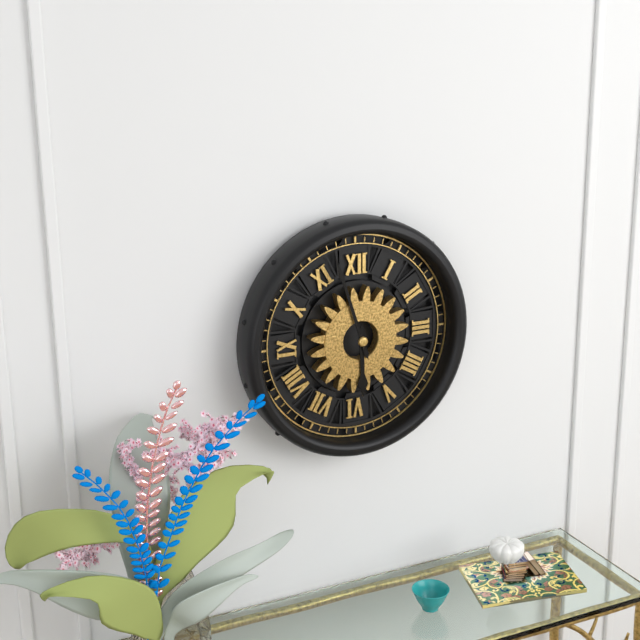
5:57
